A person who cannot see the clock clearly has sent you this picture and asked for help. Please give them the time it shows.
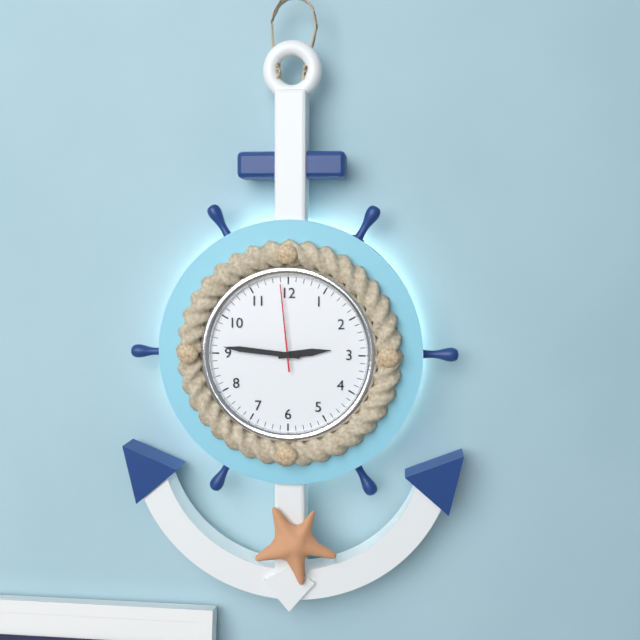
2:46:59
